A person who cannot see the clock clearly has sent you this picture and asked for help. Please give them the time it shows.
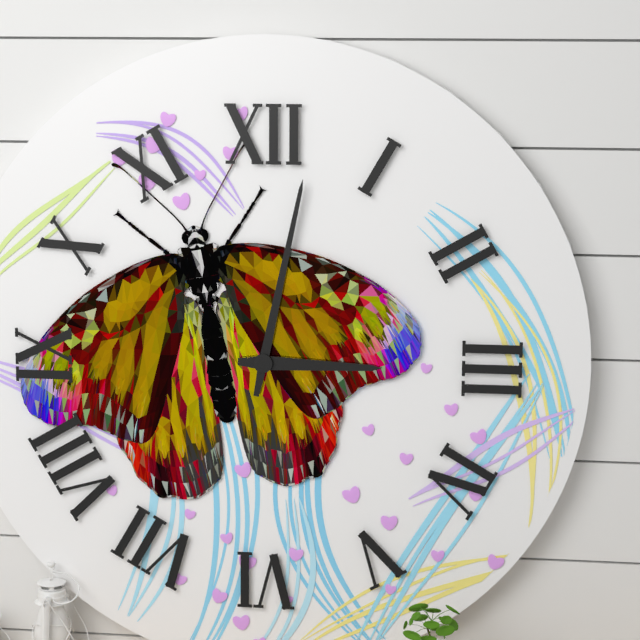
3:02
